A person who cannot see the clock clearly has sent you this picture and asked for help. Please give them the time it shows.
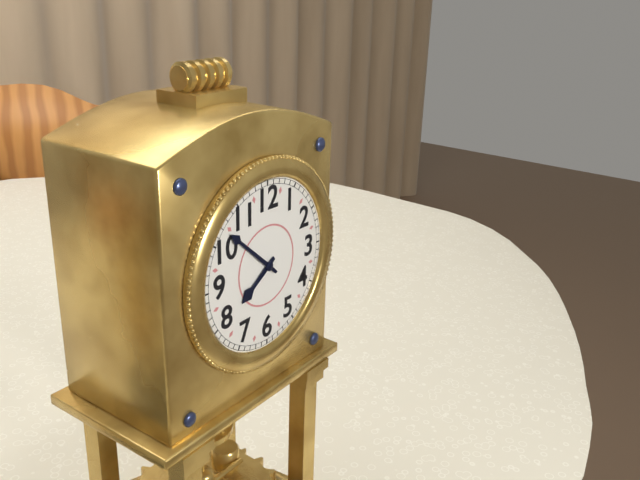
7:52
